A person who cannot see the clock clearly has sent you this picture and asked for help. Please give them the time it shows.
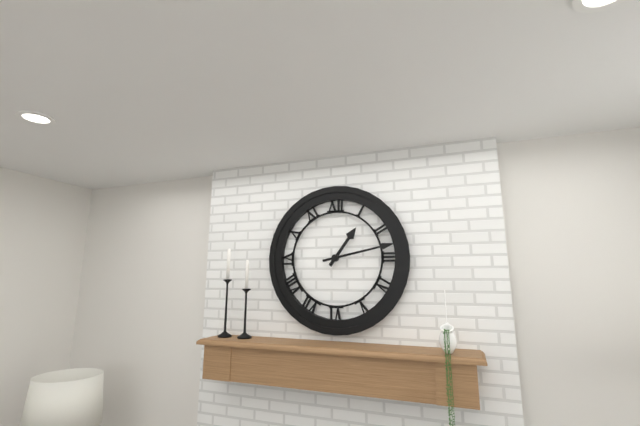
1:13
